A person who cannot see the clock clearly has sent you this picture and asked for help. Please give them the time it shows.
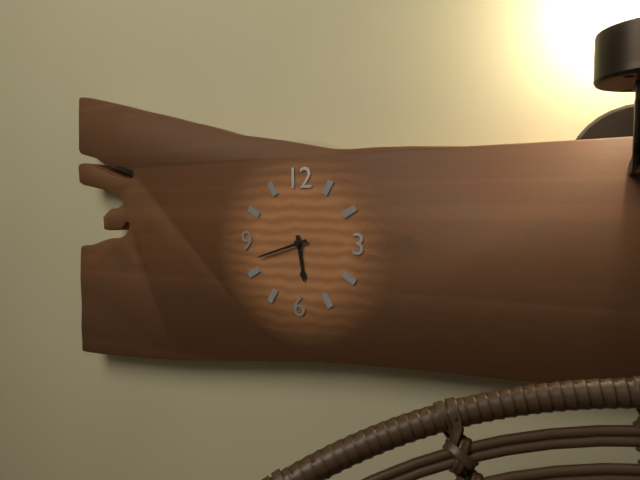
5:42
